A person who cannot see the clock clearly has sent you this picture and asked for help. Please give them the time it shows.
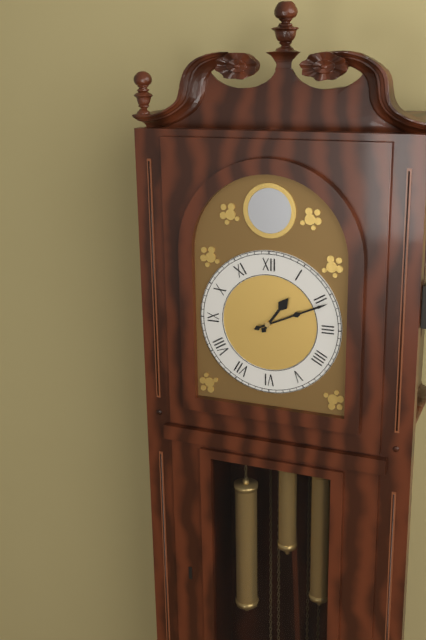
1:11
